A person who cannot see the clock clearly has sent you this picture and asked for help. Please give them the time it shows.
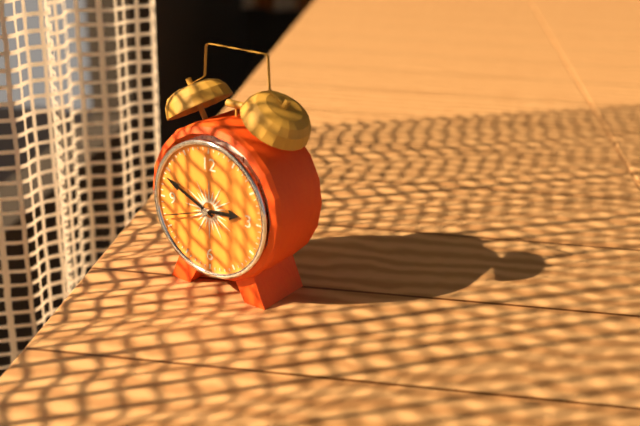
2:49:42
